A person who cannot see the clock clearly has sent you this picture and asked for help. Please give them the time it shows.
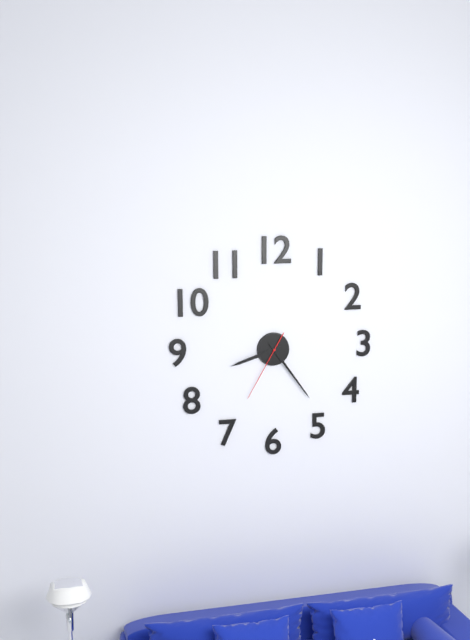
8:24:35
